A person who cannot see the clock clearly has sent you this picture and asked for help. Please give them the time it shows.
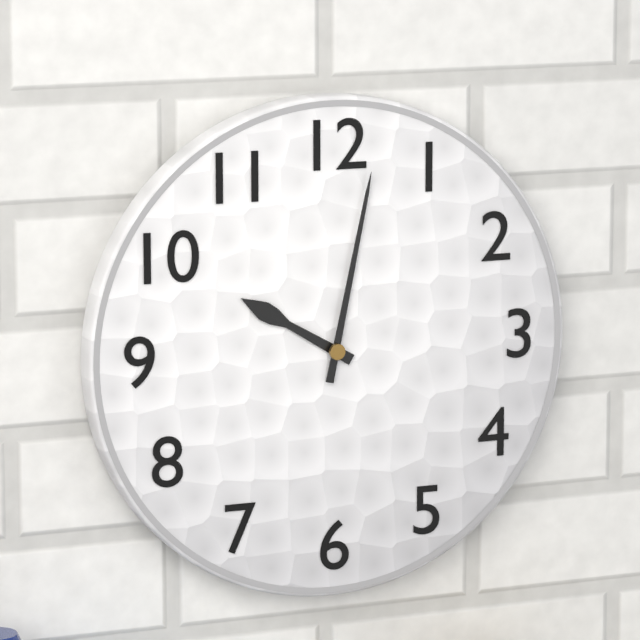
10:02
